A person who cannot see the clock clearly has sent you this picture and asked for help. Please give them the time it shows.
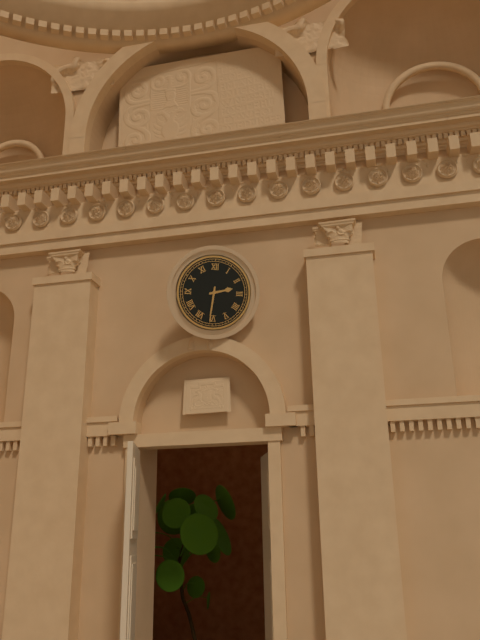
2:31
